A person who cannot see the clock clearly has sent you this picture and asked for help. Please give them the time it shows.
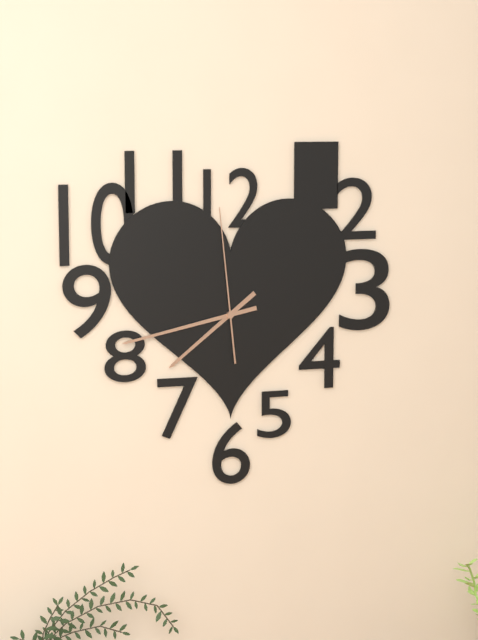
7:43:59
